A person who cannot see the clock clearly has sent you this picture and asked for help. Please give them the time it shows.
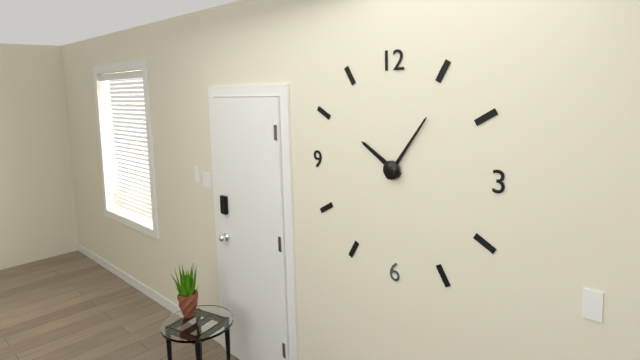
10:06
